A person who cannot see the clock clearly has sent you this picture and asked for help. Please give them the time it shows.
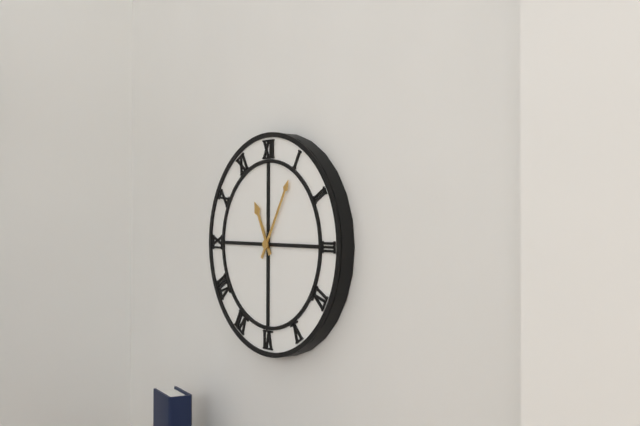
11:05
